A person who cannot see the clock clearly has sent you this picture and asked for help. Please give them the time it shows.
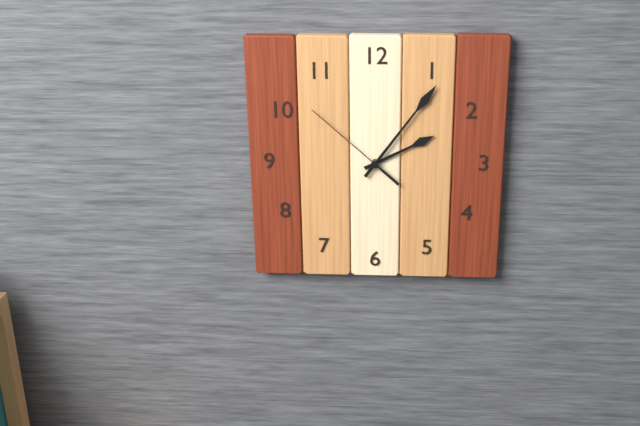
2:06:52
